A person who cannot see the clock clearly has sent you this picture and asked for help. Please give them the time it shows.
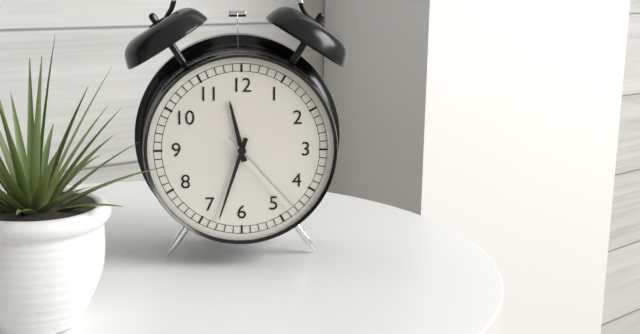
11:33:23
